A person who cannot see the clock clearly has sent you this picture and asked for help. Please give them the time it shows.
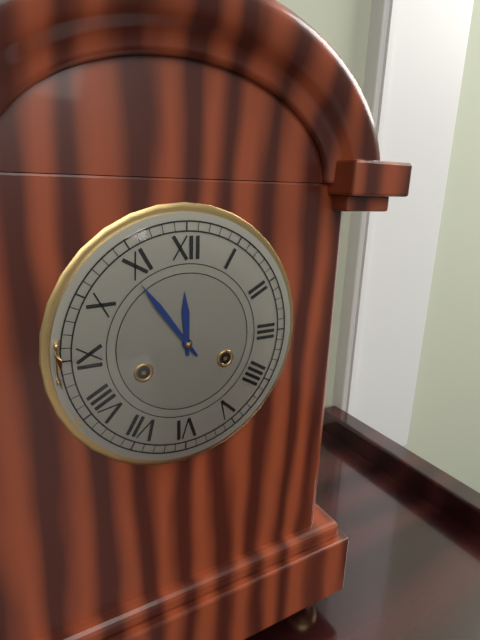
11:54
